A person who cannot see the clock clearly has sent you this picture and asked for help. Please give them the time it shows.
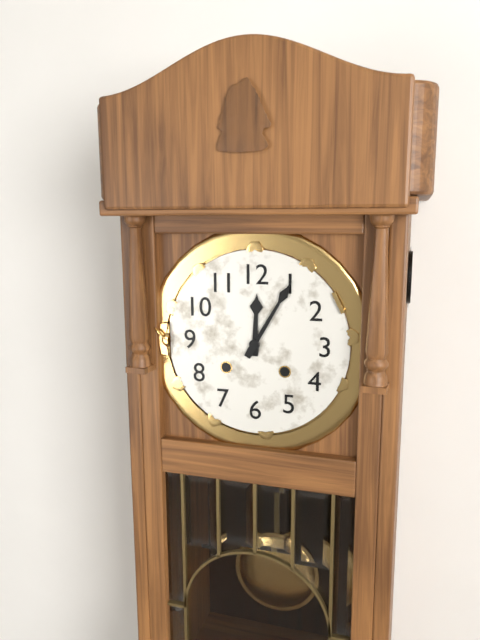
12:05
